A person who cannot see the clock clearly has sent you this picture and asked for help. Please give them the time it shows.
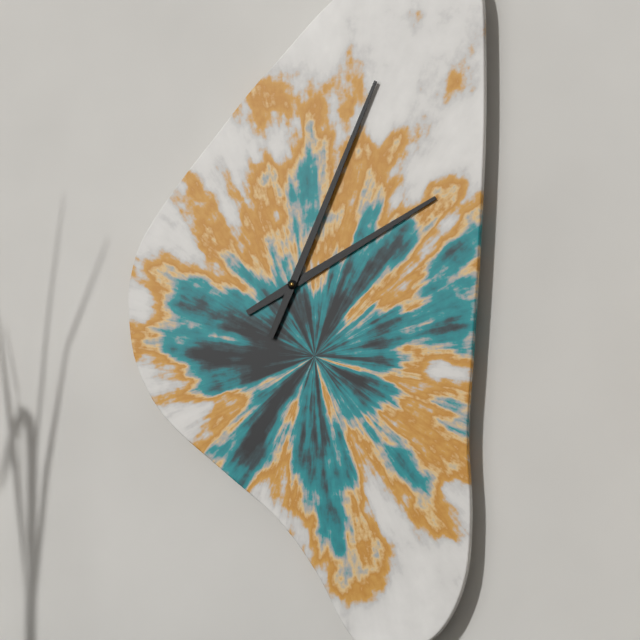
2:04
